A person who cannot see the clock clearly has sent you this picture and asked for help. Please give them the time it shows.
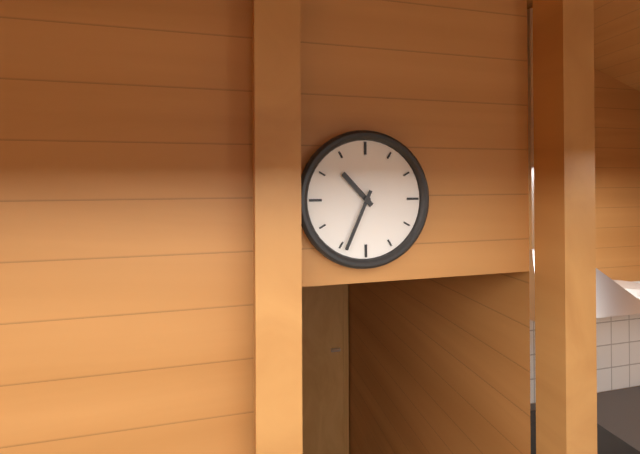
10:34
